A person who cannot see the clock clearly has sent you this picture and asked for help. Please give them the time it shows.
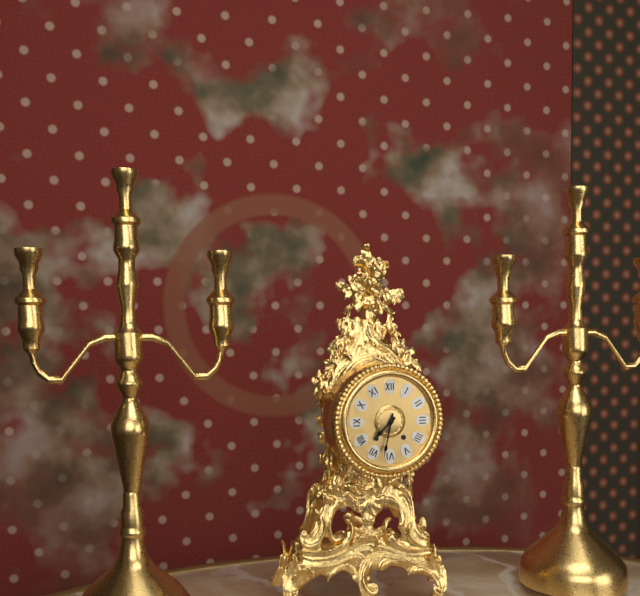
7:32
